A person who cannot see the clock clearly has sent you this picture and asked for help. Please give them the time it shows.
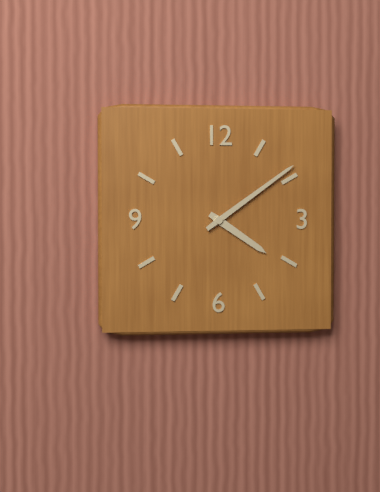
4:09
